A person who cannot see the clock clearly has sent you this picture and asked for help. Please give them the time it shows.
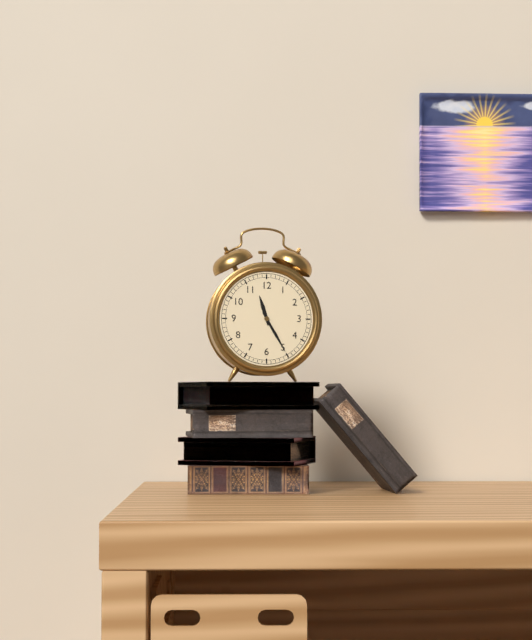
11:25
